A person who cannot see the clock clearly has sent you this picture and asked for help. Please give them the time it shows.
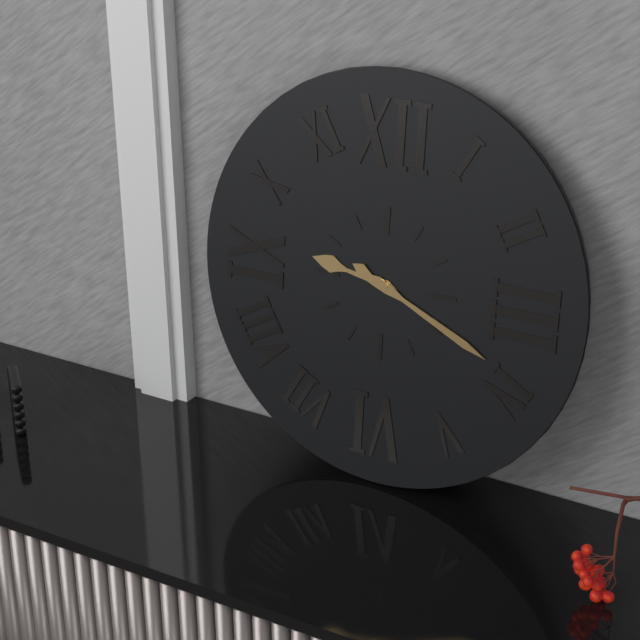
9:19
